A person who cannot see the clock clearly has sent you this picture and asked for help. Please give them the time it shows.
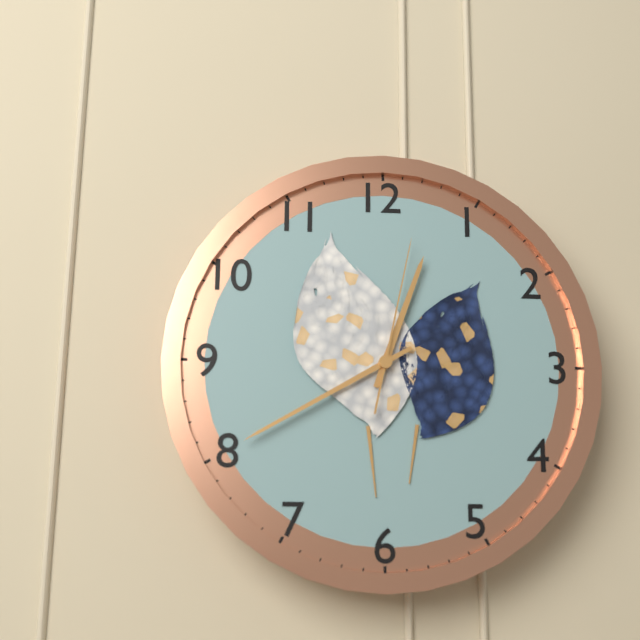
12:40:02
